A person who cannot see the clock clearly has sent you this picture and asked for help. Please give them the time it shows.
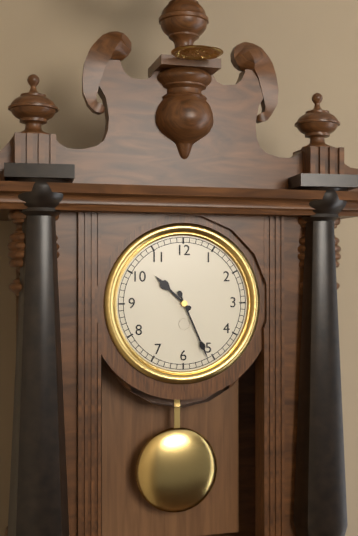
10:26
